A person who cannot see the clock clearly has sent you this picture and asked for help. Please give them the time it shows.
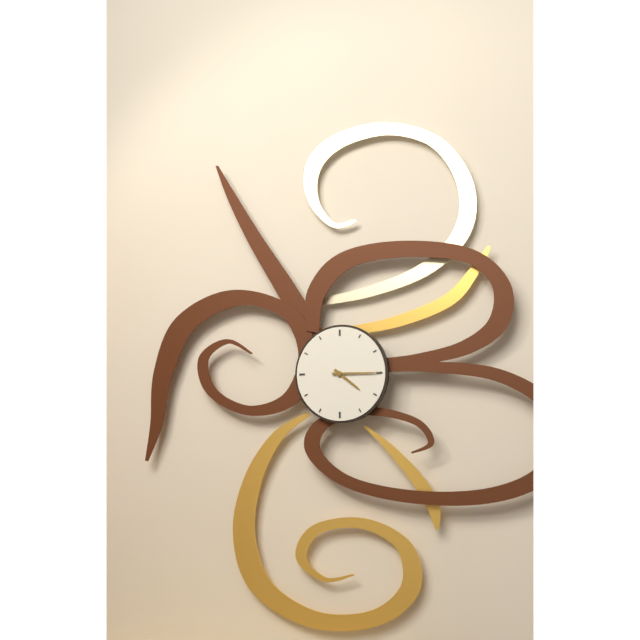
4:15
